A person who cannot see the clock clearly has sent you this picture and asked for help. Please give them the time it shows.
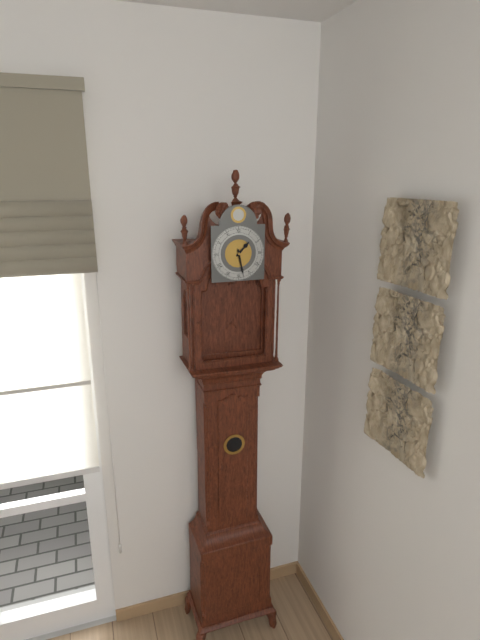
1:28
